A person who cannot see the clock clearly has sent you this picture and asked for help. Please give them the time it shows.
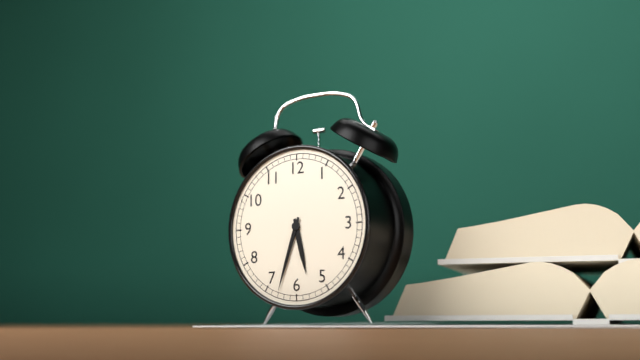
5:33
